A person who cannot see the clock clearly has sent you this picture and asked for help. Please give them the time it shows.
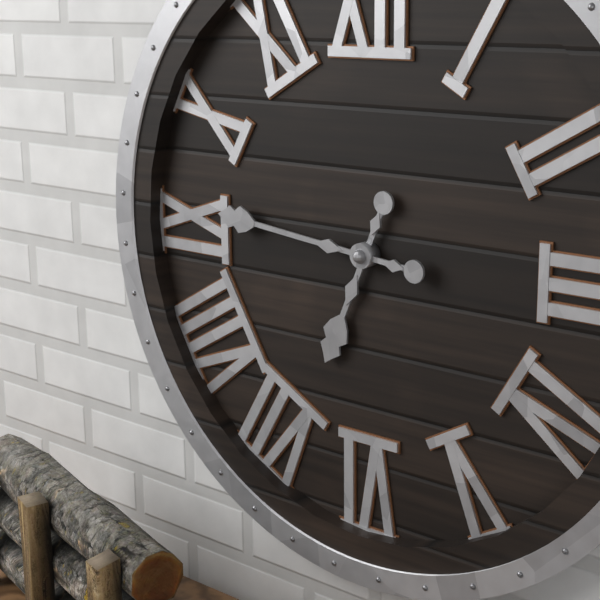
6:46
